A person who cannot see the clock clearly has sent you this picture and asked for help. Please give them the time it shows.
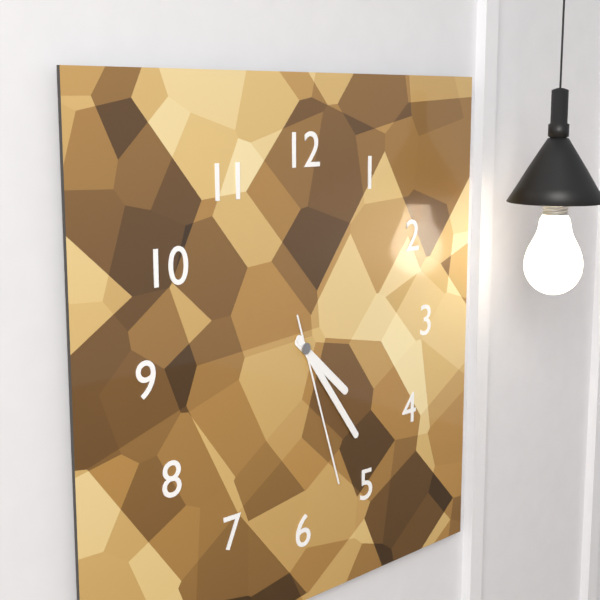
4:24:27
